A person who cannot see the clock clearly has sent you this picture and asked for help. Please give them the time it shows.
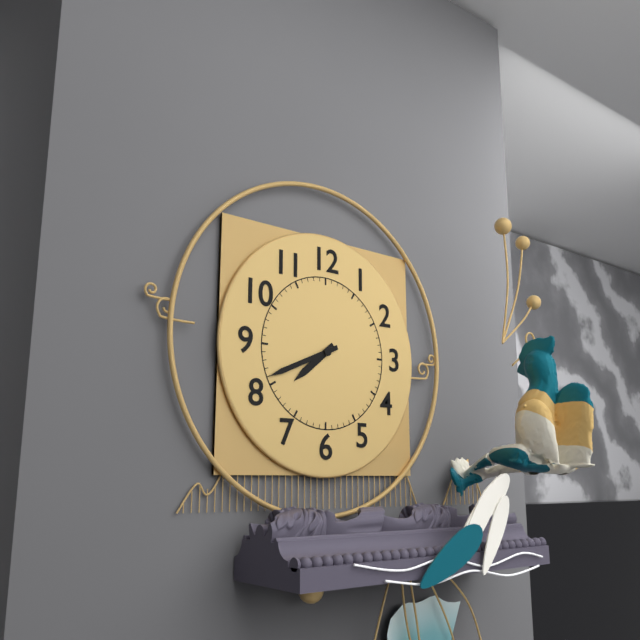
7:41
